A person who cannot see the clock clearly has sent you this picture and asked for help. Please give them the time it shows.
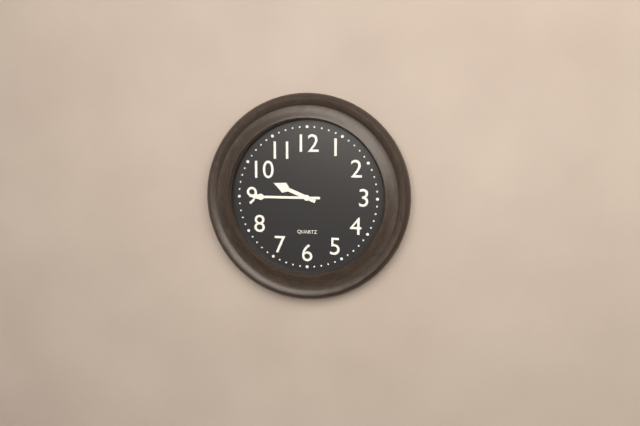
9:45
